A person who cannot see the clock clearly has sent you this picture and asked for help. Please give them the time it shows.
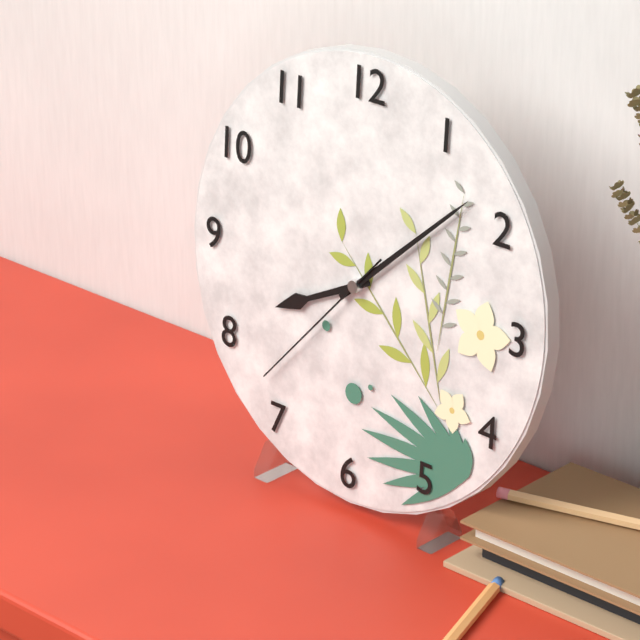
8:08:37
